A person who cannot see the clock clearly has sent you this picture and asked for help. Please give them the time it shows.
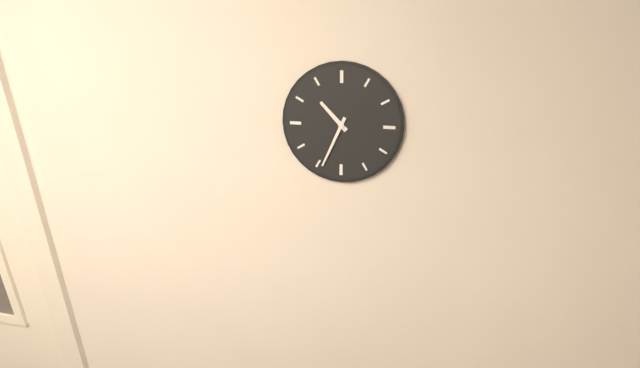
10:34
